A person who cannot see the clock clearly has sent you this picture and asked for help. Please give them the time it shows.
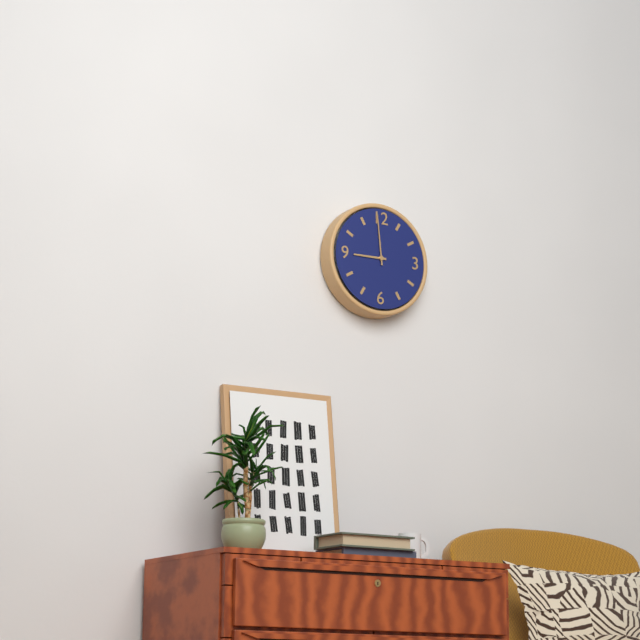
8:59
